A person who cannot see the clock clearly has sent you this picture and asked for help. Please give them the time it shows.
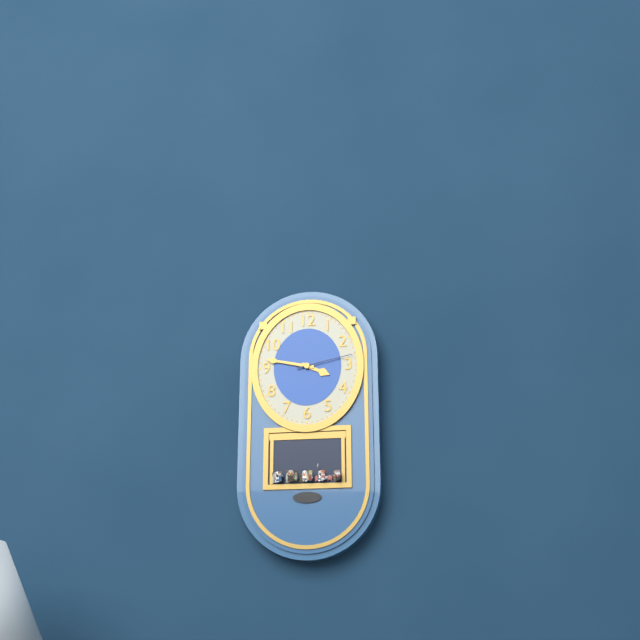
3:47:13
